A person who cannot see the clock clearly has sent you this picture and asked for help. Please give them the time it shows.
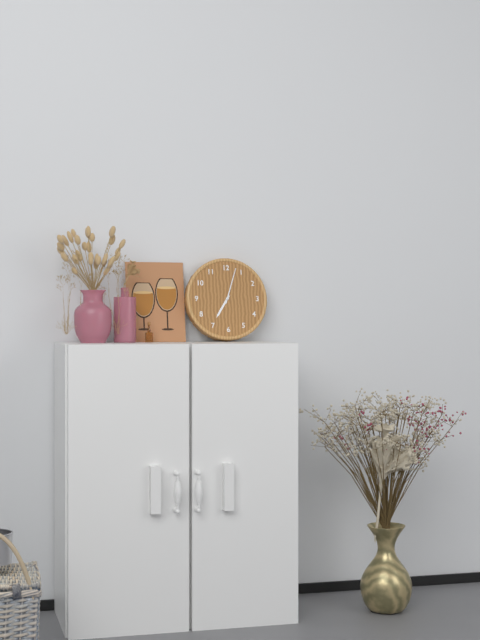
7:03
